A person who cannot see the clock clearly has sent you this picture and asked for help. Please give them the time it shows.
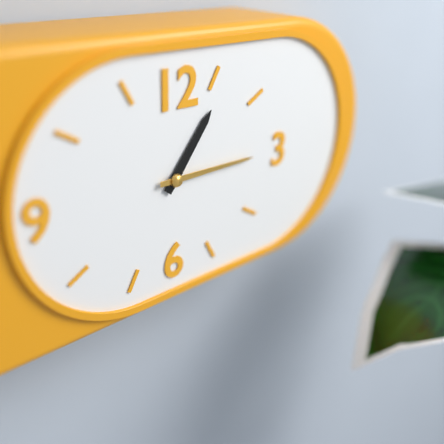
1:15
